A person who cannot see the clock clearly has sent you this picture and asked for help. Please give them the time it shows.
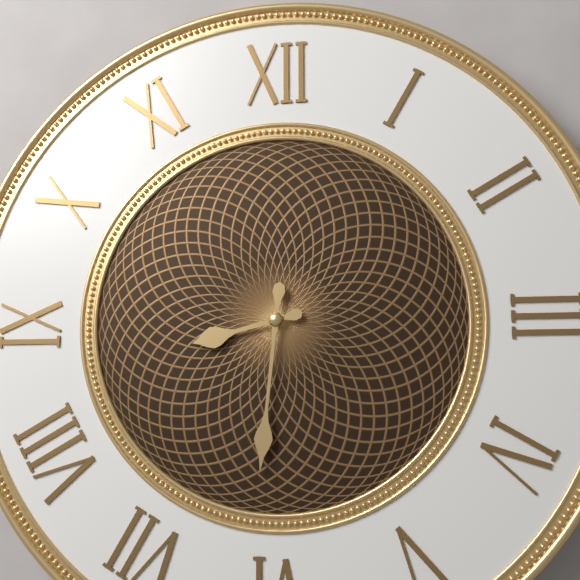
8:31
